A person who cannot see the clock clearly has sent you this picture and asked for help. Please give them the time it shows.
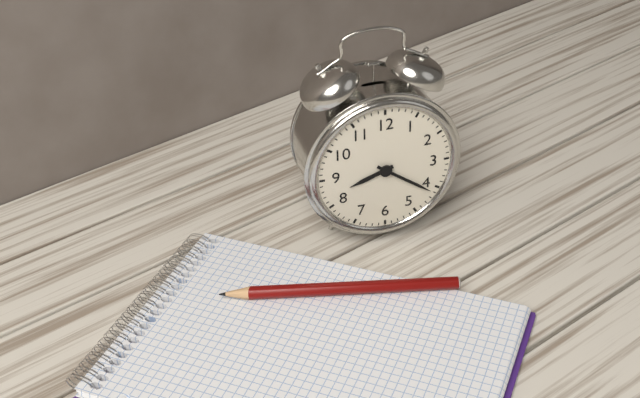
8:21
